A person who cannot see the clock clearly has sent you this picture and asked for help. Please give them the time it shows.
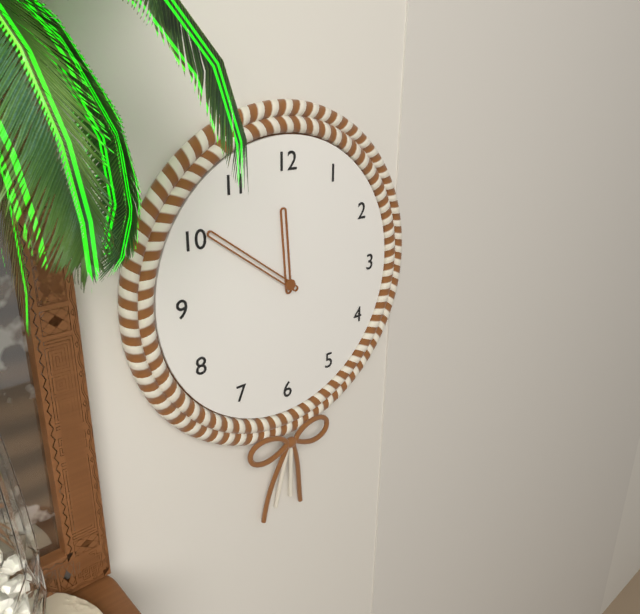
11:51
